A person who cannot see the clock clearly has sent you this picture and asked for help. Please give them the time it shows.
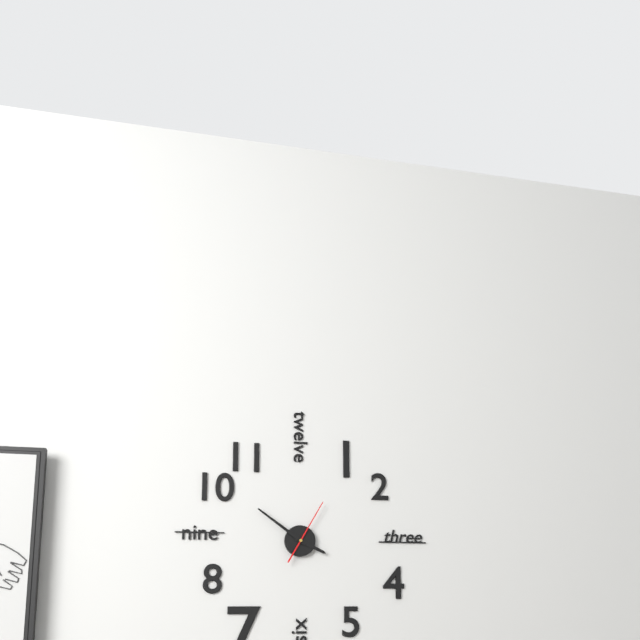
3:51:05
